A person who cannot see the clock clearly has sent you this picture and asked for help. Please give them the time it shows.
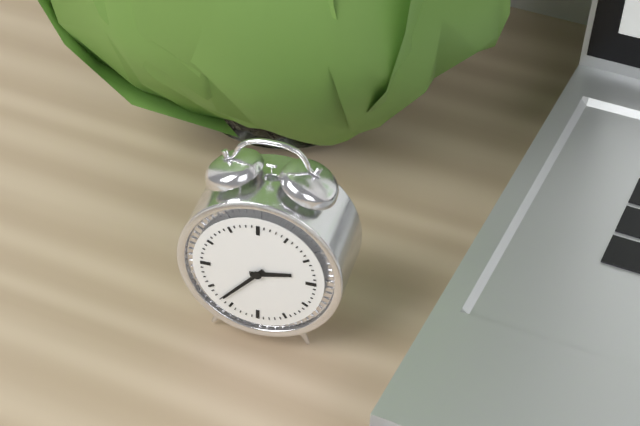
2:37
